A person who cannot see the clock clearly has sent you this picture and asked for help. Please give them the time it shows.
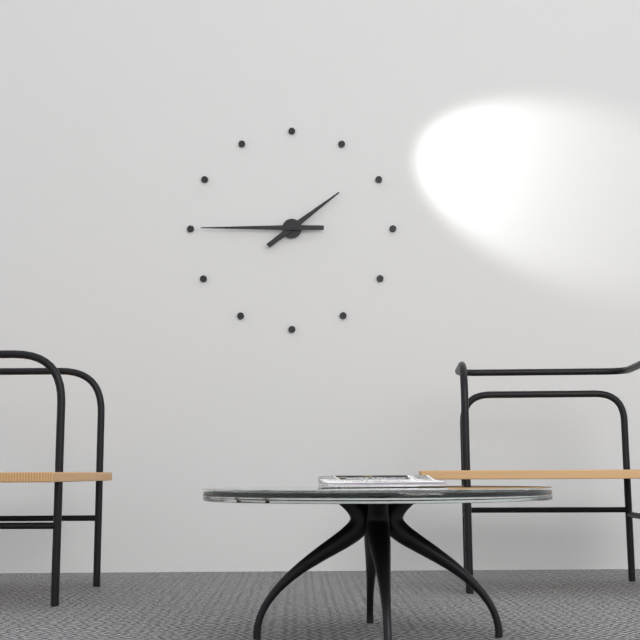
1:45
